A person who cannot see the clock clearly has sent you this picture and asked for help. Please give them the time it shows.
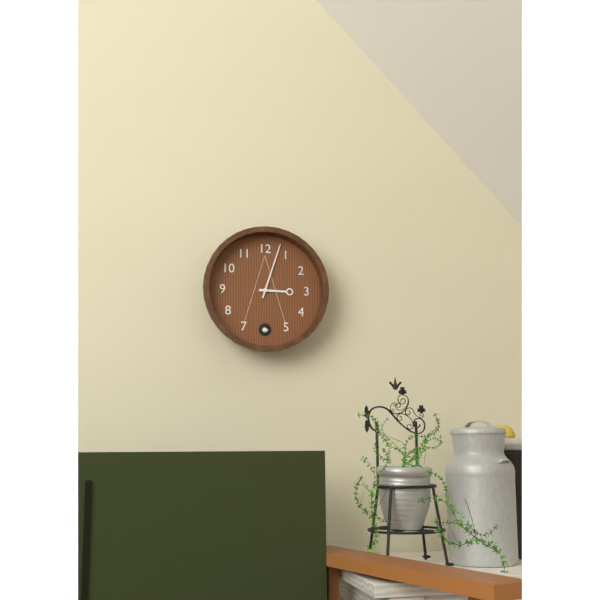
3:03
